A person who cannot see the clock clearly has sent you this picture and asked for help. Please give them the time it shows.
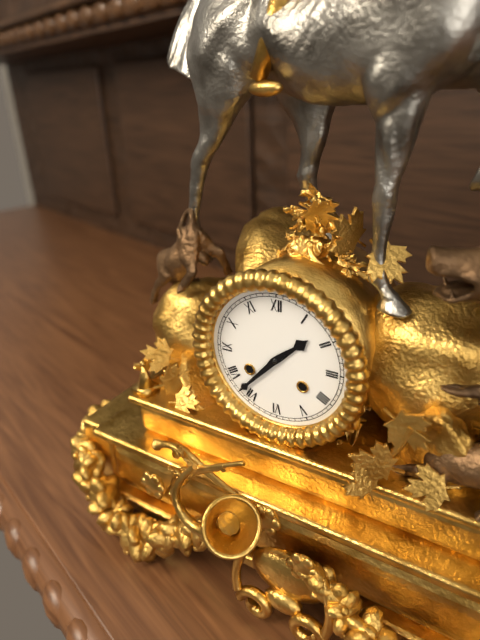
1:37
